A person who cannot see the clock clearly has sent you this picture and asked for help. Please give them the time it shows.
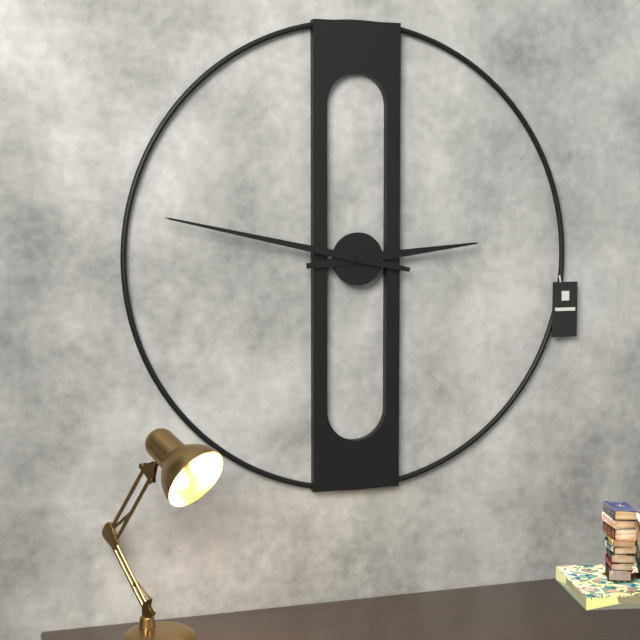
2:47
